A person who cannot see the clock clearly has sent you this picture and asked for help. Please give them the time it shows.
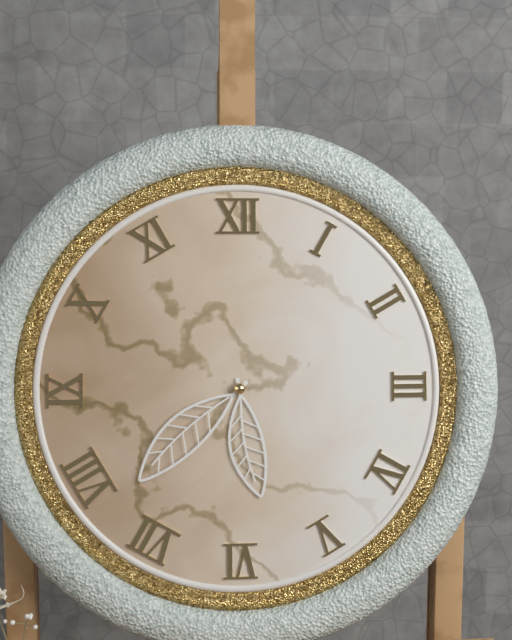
5:38
